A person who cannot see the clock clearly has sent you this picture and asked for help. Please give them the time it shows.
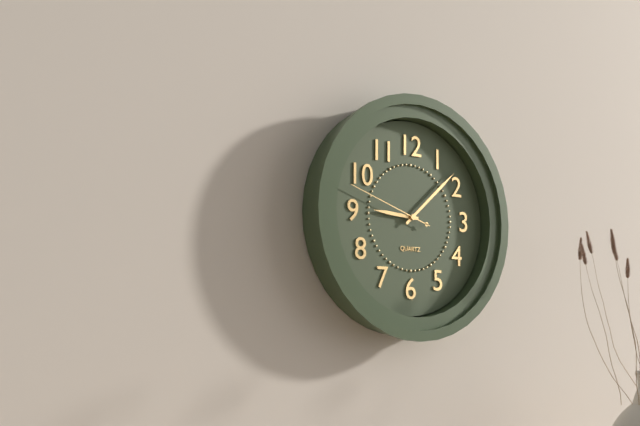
9:08:48
